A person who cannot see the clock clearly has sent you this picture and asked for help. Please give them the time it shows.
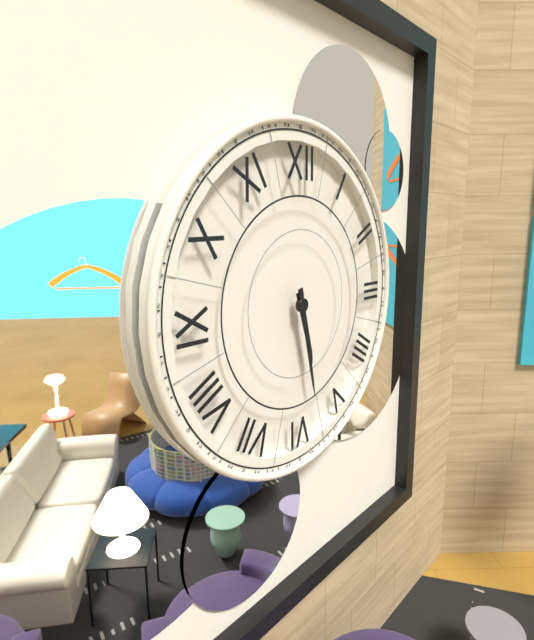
5:28
